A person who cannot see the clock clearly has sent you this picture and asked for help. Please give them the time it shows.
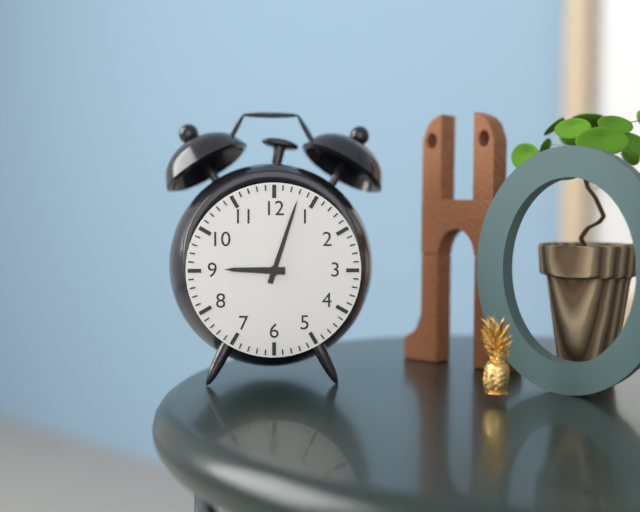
9:03
